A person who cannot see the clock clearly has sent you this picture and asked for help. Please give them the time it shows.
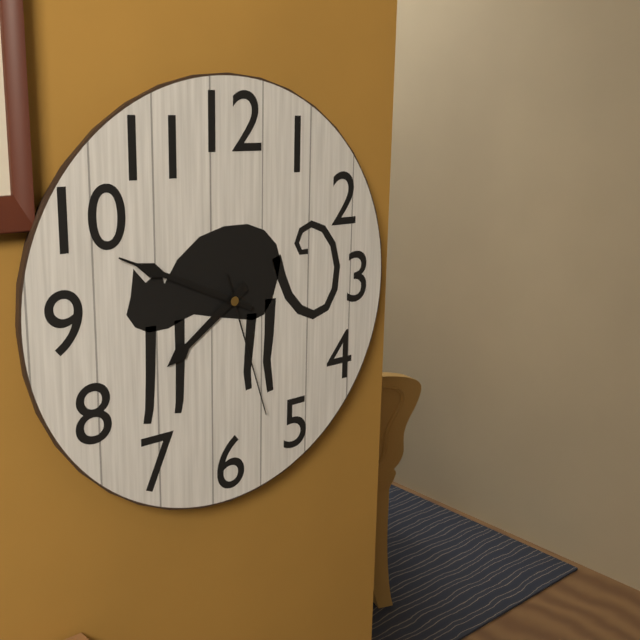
7:49:27
